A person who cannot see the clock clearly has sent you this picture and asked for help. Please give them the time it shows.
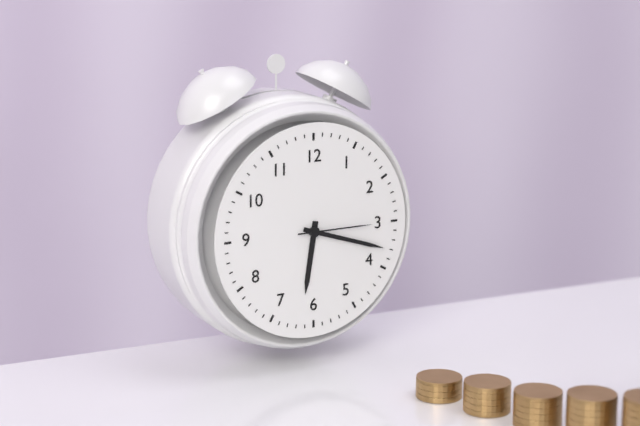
6:18:15
